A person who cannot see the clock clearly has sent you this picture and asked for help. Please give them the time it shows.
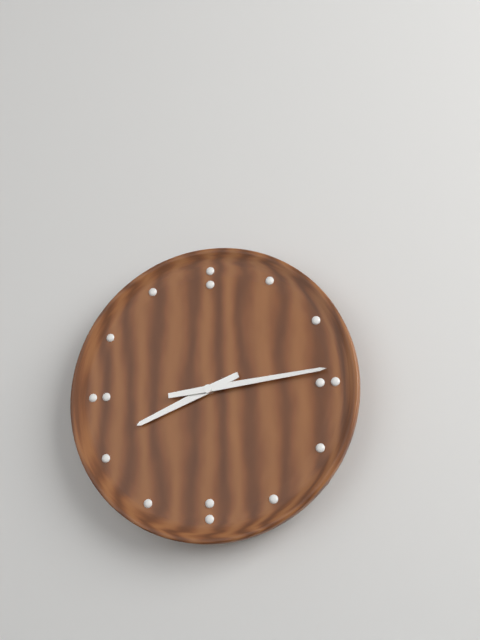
8:14
